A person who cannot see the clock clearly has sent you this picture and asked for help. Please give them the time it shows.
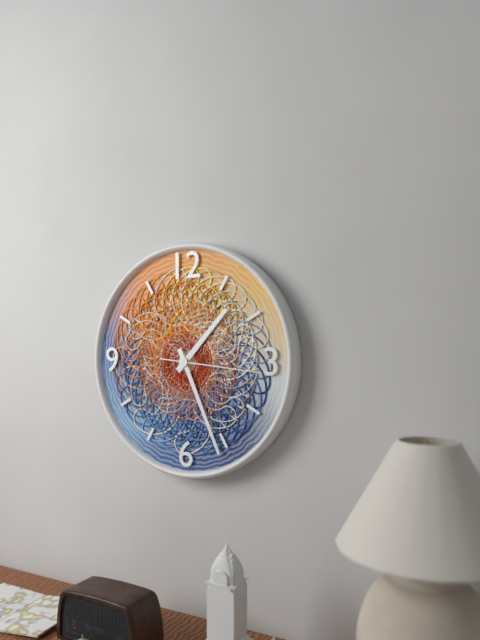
1:26:16
